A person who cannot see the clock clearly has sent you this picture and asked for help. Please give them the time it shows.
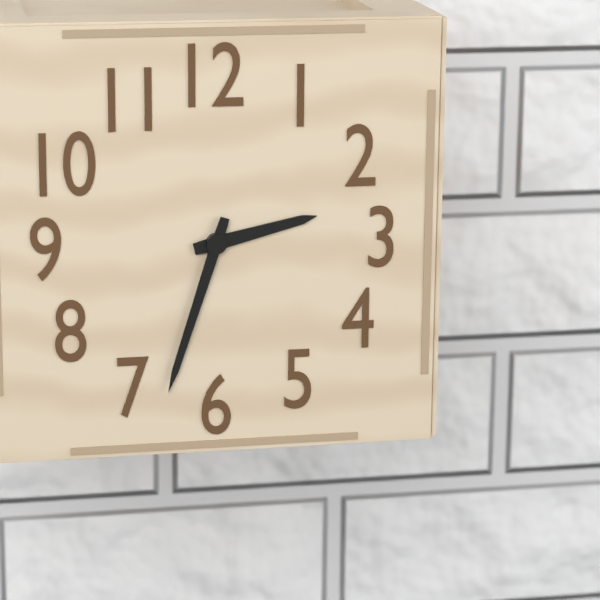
2:33
